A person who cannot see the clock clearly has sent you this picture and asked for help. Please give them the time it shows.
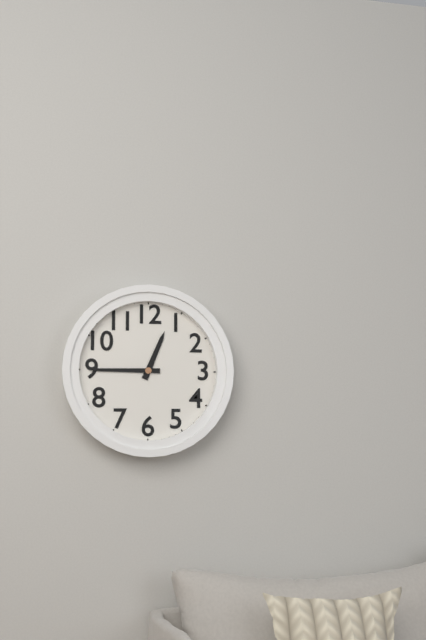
12:45
